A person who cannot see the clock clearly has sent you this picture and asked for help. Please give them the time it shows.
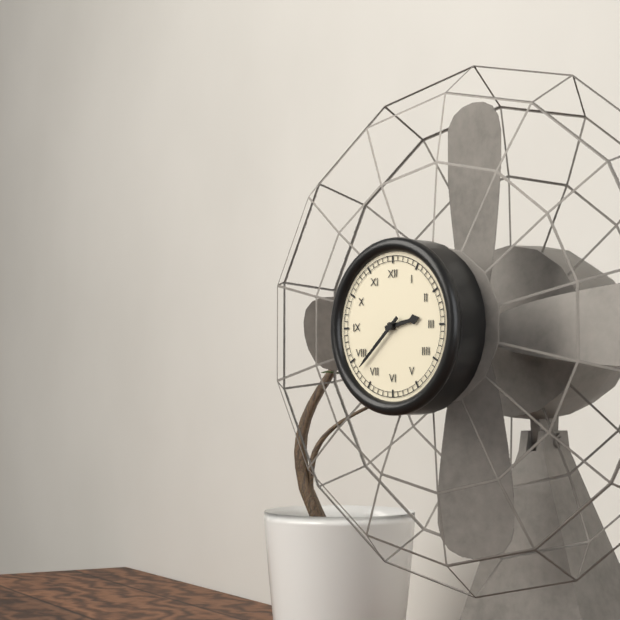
2:38
